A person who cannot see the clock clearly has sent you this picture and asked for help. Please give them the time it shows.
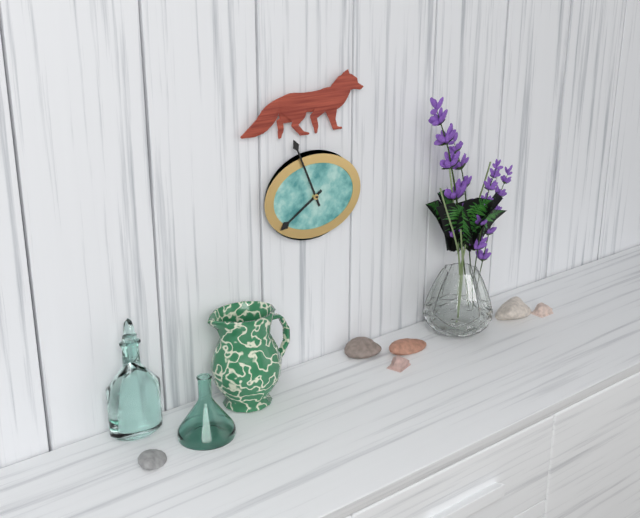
7:56
